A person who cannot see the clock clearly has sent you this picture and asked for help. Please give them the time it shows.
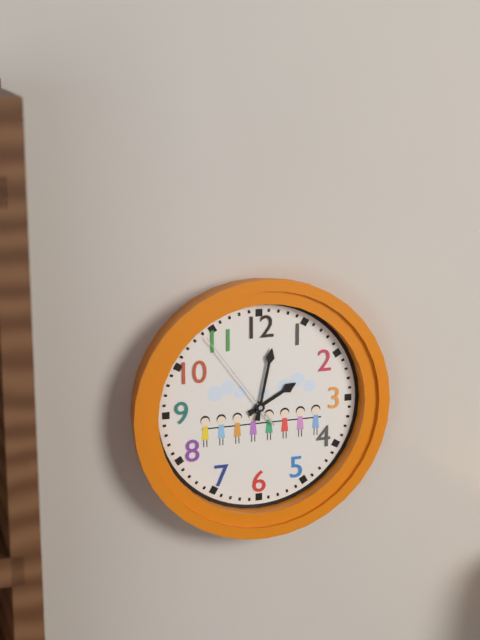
2:02:54
